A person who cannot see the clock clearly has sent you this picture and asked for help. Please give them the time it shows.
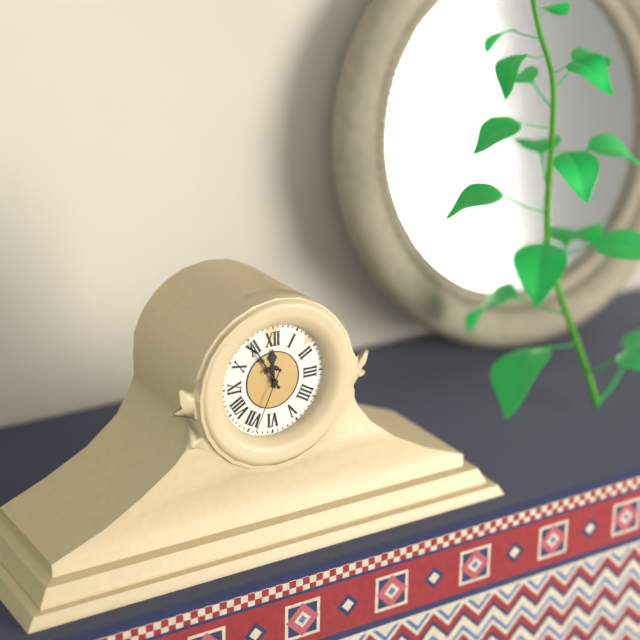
11:55:34
